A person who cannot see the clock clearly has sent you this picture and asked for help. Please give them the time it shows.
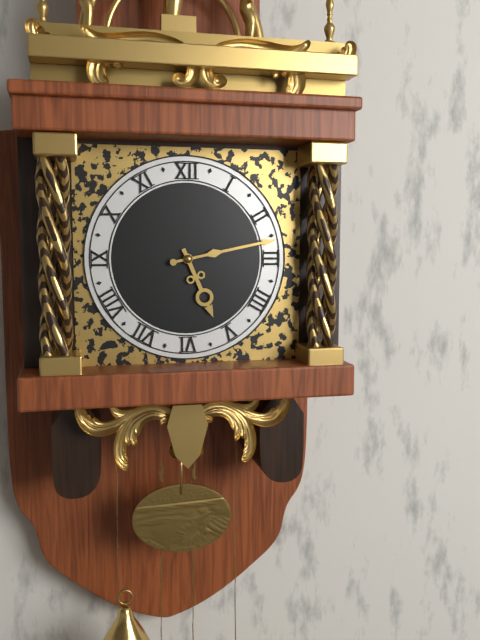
5:13
